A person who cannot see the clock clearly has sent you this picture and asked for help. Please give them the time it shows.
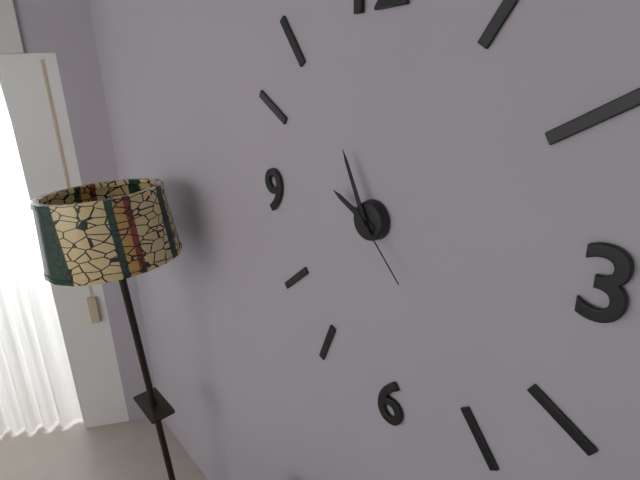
9:56:23
